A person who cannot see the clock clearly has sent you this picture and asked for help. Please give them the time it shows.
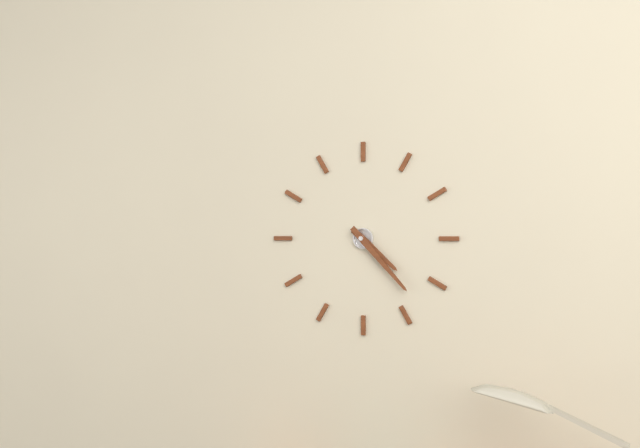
4:23
